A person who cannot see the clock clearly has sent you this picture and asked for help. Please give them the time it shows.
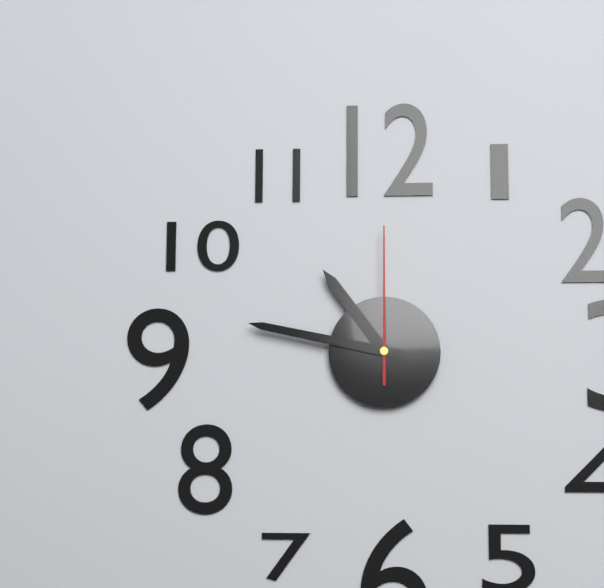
10:47:00
